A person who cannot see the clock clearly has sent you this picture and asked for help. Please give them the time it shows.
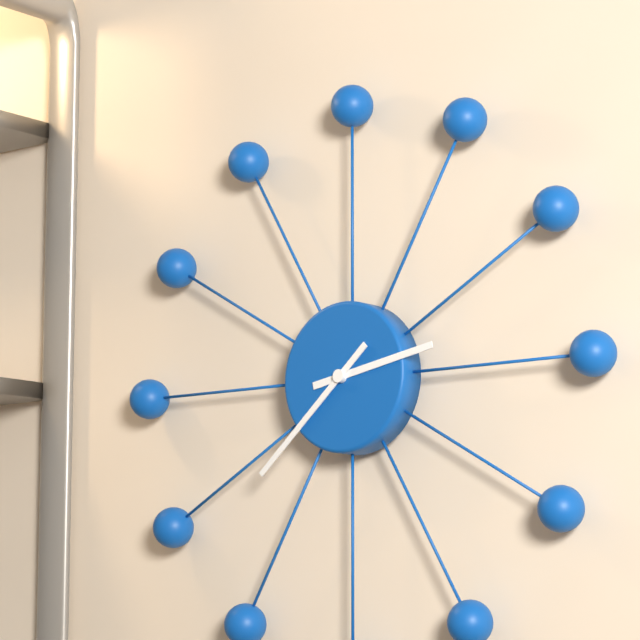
2:38
